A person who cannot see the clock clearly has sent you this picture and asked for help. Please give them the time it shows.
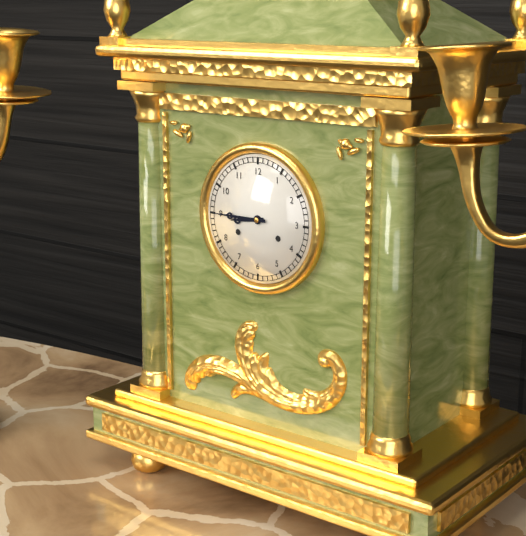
8:45
